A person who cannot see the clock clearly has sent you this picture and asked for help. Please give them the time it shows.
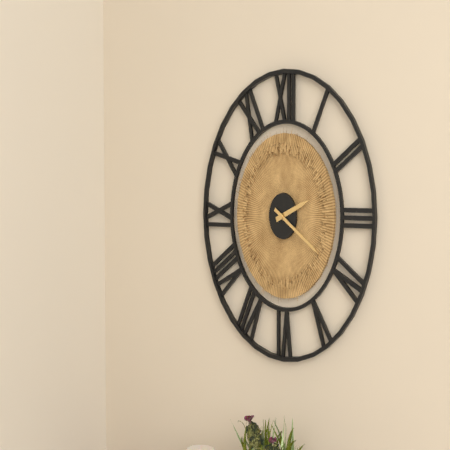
2:20
